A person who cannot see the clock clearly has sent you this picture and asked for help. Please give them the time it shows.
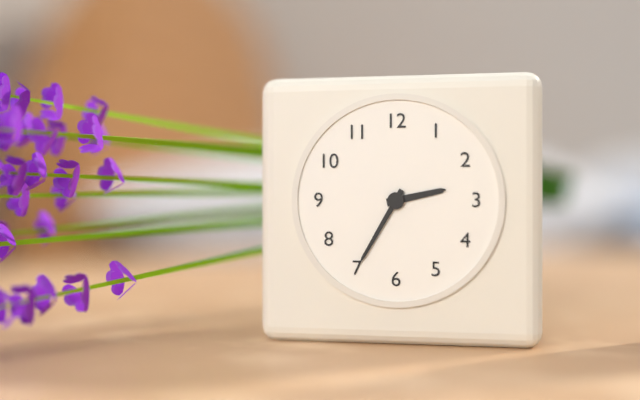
2:35
